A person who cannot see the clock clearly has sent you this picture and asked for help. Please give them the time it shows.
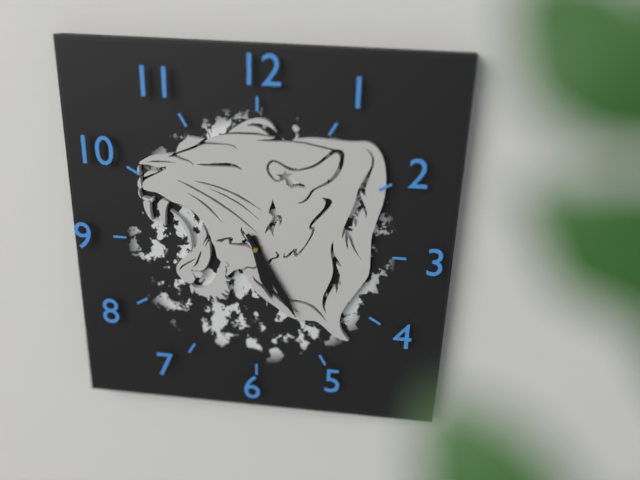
5:25
